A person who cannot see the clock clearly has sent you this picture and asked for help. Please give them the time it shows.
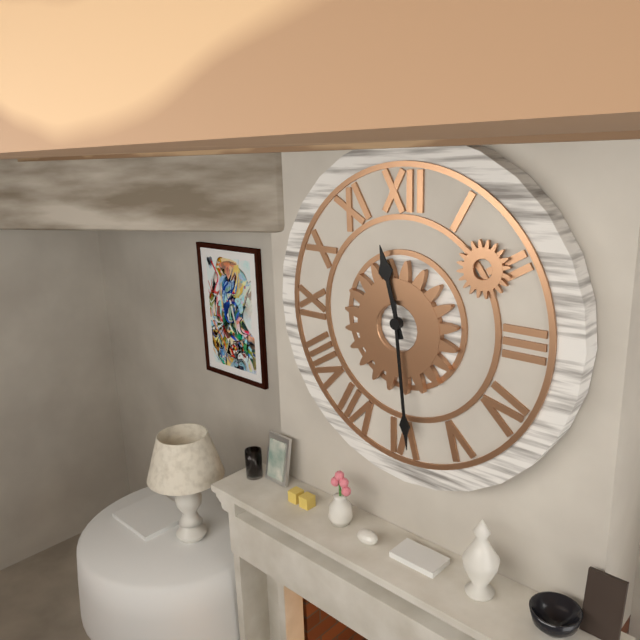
11:29
